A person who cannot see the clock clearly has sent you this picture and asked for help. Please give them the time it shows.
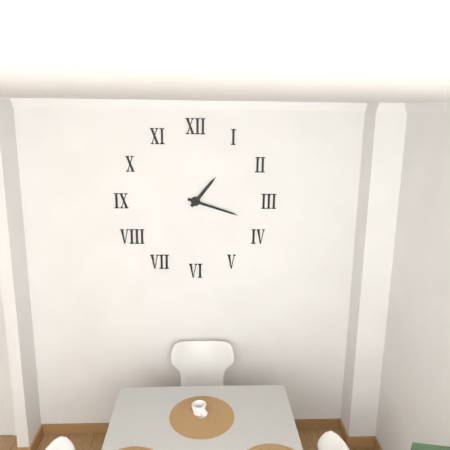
1:18
